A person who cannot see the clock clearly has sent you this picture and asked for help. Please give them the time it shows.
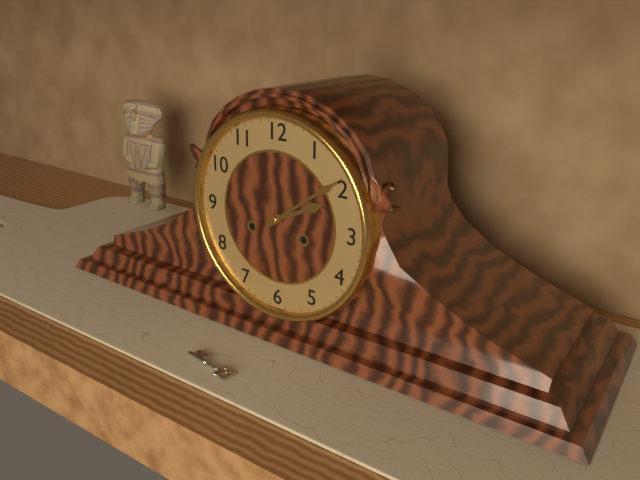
2:09
